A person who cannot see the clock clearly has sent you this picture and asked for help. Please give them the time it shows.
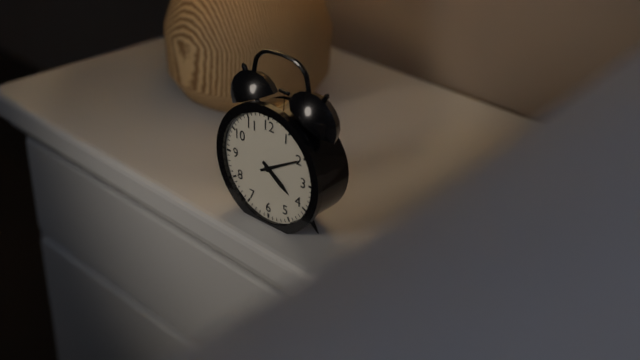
4:10
